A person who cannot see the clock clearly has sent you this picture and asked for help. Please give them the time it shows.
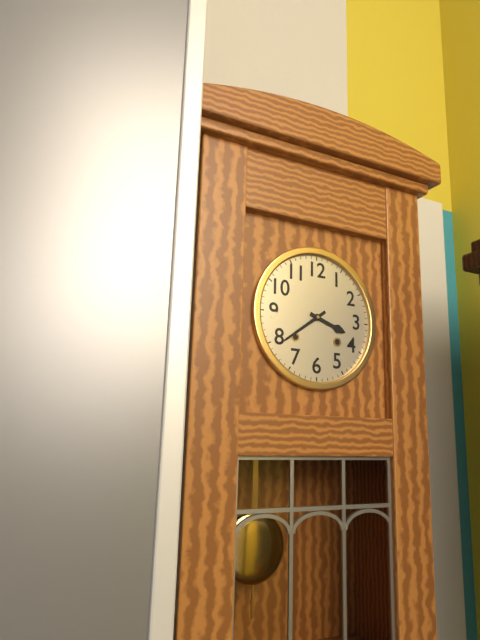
3:39
